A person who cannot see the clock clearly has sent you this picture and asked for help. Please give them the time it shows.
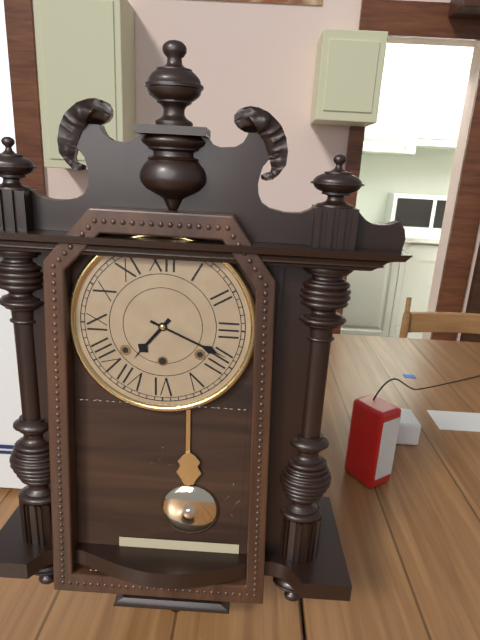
7:19
